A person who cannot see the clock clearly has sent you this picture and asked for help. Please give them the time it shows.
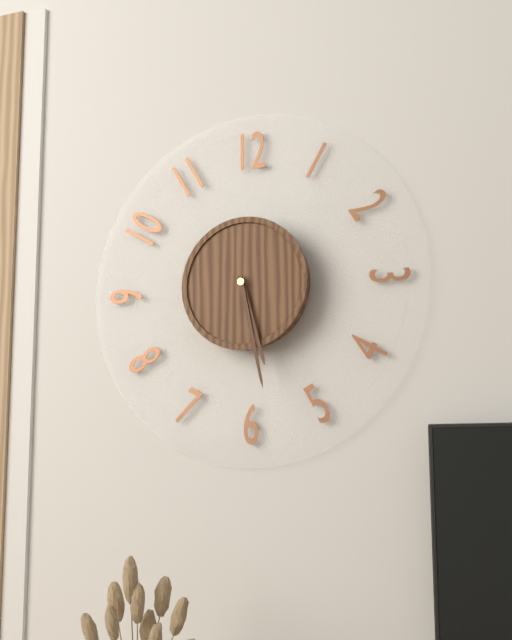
5:28
